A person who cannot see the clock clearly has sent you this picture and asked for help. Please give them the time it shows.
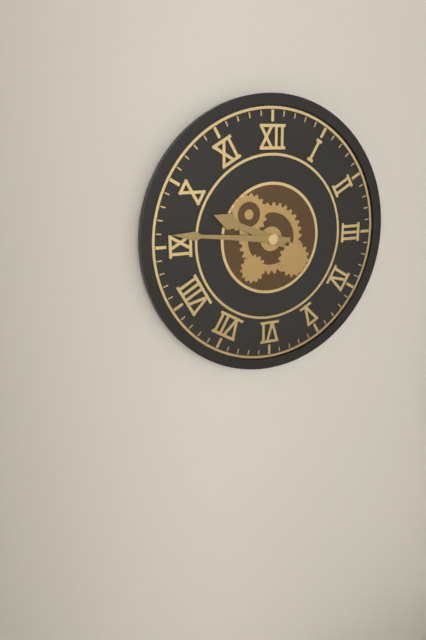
9:46
